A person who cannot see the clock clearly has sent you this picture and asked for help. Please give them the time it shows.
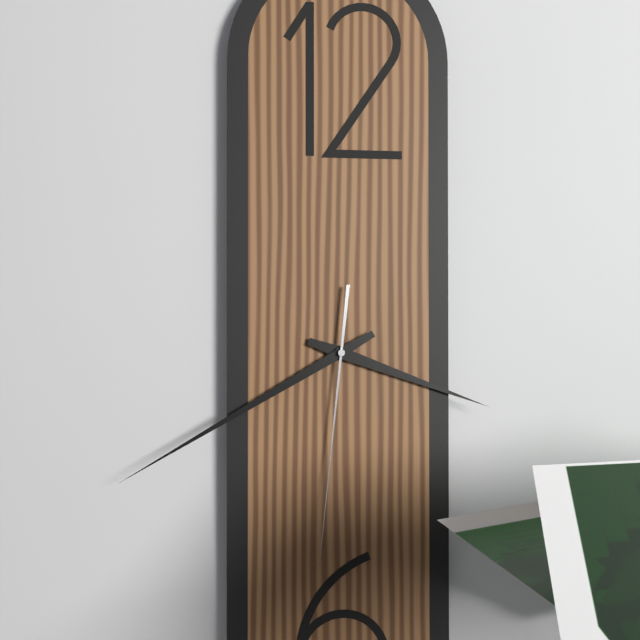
3:40:31
